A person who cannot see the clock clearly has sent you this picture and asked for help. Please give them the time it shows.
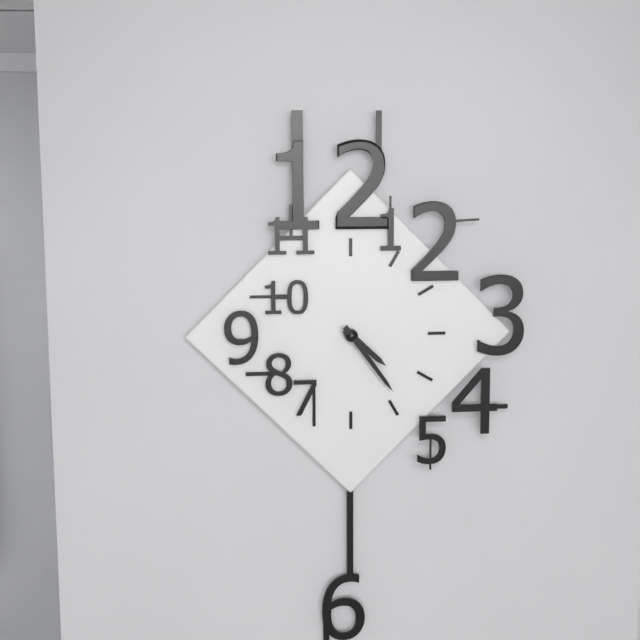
4:24
